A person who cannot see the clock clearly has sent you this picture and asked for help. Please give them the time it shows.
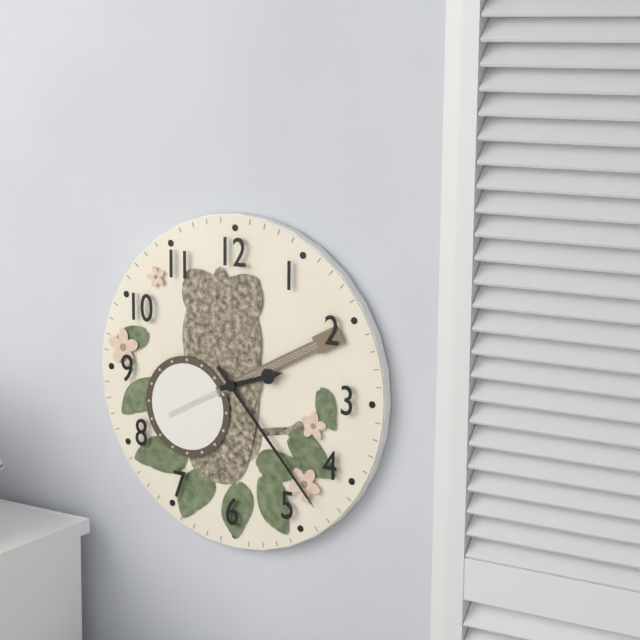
2:23
